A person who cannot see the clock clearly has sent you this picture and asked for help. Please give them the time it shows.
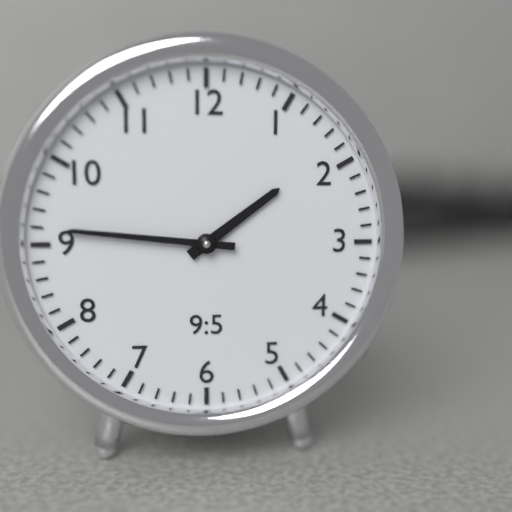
1:46
